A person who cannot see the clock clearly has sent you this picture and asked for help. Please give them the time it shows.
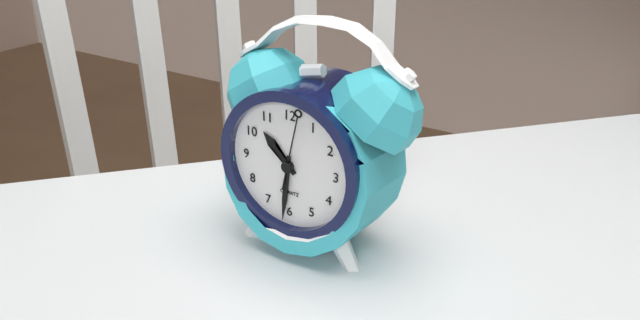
10:31:02
